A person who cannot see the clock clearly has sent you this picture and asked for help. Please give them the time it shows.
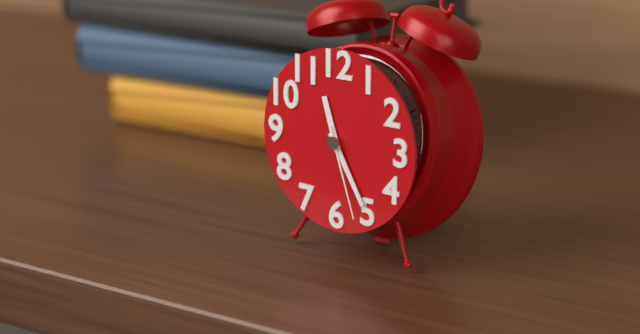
11:25:27
